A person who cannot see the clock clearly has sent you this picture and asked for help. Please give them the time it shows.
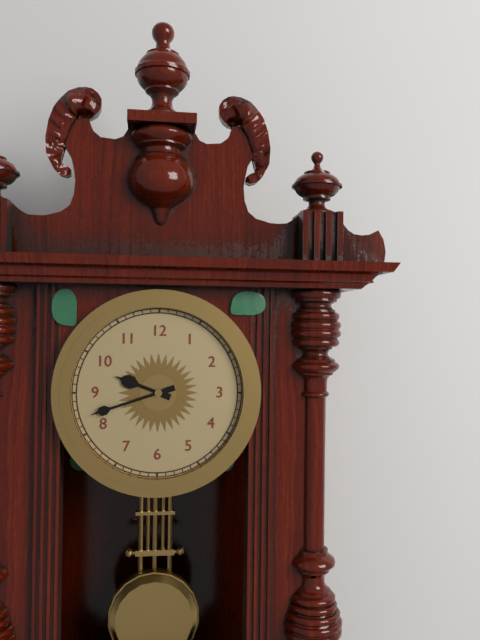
9:42
